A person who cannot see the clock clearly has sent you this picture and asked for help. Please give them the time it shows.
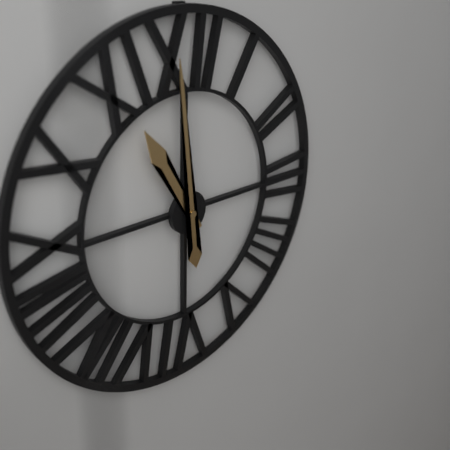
10:59
